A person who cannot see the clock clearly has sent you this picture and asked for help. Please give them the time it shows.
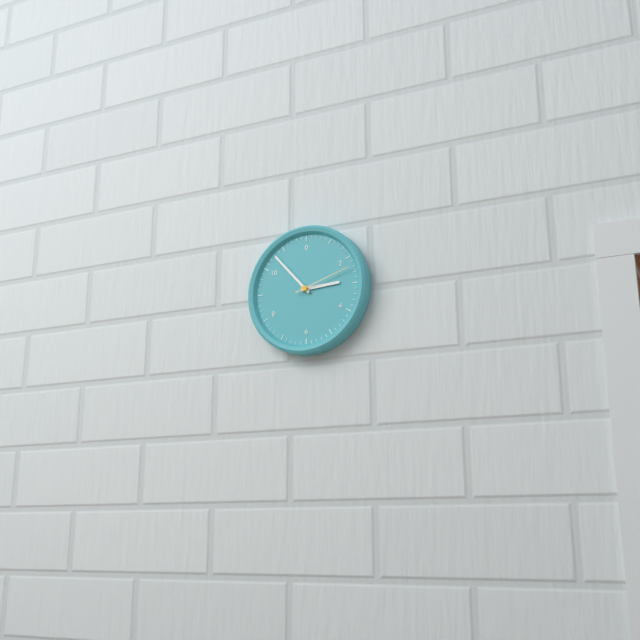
2:53:12
